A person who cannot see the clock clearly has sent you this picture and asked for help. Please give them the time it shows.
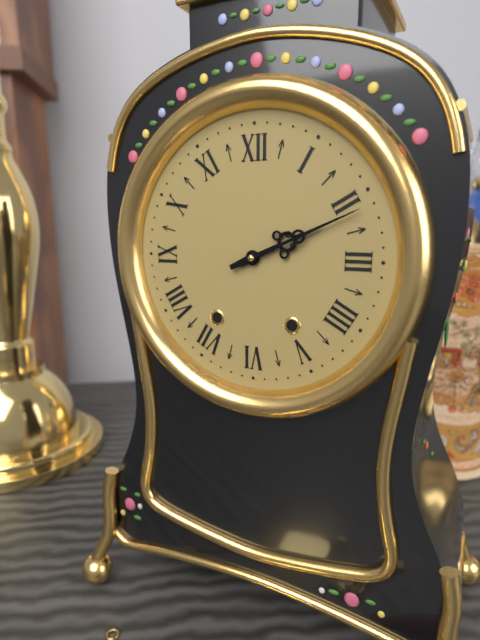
2:11
